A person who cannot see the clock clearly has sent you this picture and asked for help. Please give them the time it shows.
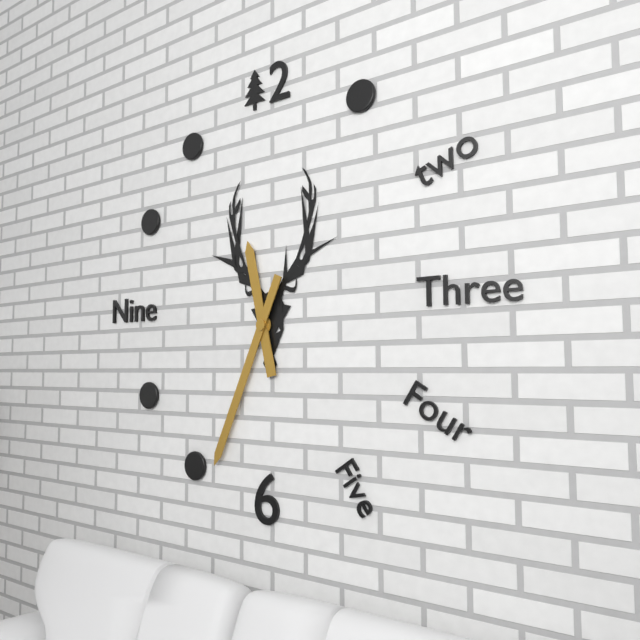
11:34
